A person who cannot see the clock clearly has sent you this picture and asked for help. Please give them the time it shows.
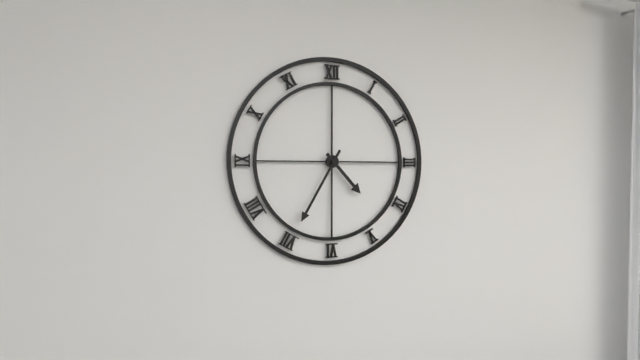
4:35
